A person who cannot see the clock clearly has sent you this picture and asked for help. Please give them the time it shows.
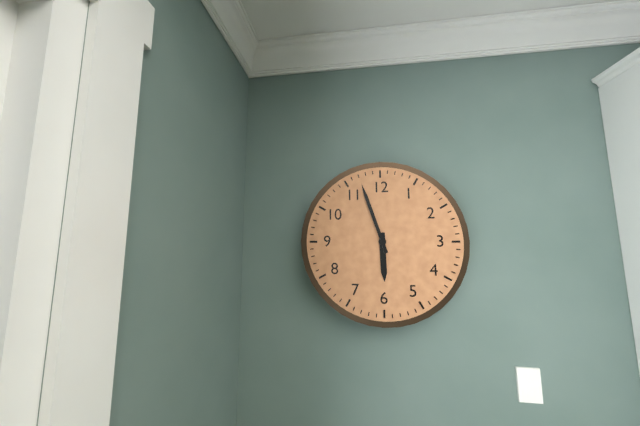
5:57
